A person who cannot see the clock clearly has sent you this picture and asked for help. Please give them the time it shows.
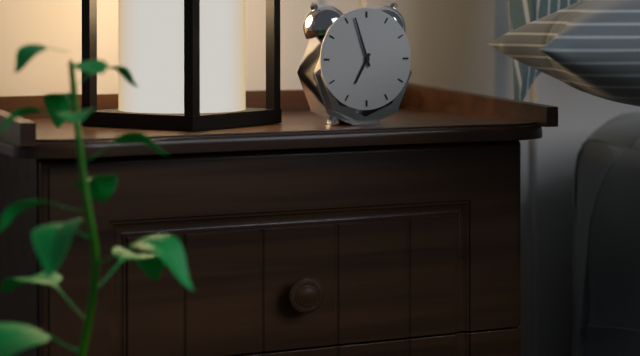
6:57
